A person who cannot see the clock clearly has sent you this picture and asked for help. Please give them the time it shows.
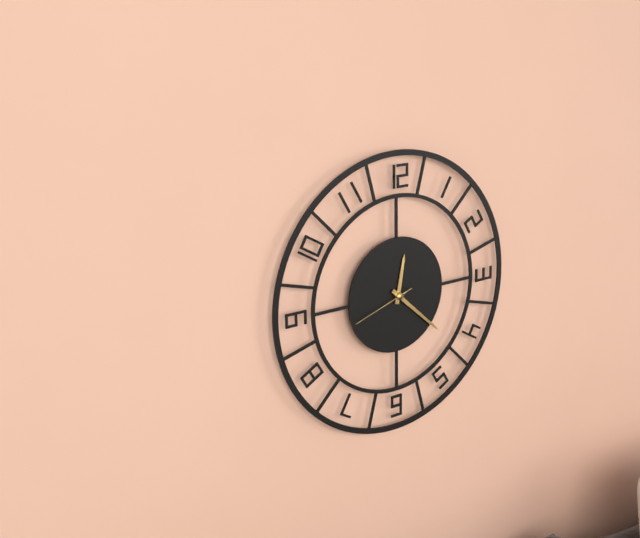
12:22:42
